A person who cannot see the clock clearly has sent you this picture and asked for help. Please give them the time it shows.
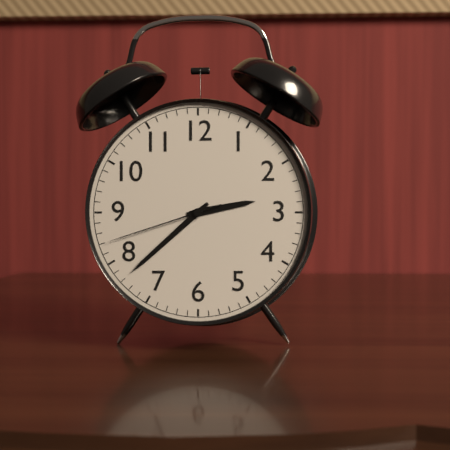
2:38:42
